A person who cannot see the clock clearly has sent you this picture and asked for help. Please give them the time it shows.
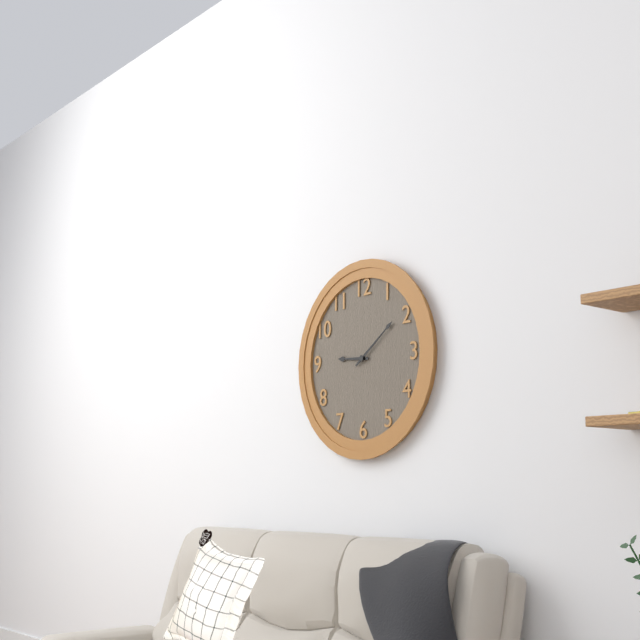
9:09
